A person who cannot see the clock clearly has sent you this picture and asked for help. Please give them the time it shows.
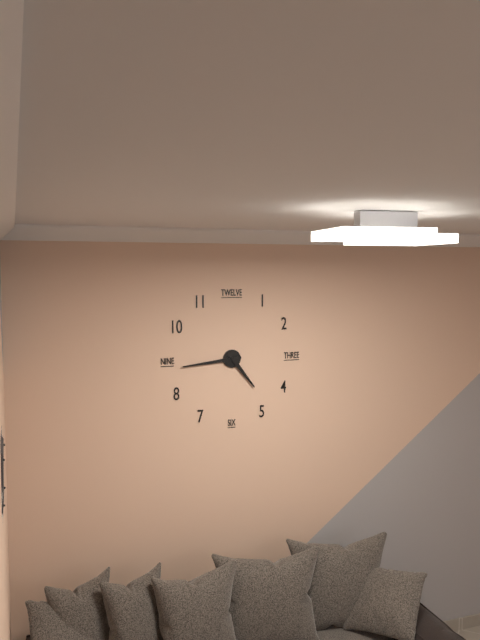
4:44
